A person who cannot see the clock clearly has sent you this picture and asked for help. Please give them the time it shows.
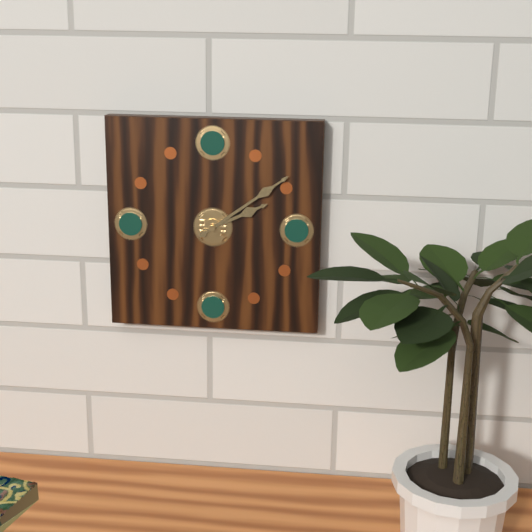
2:09
